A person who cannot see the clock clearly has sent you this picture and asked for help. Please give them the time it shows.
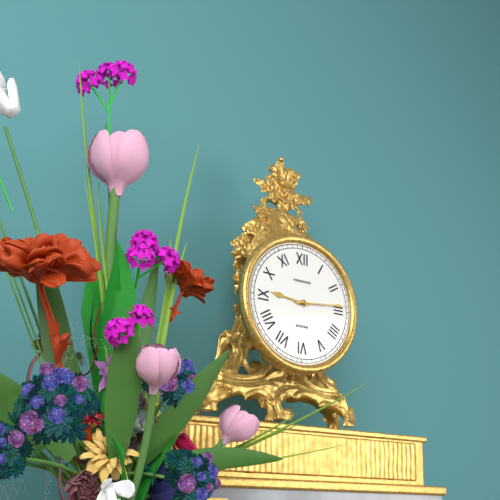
9:14
